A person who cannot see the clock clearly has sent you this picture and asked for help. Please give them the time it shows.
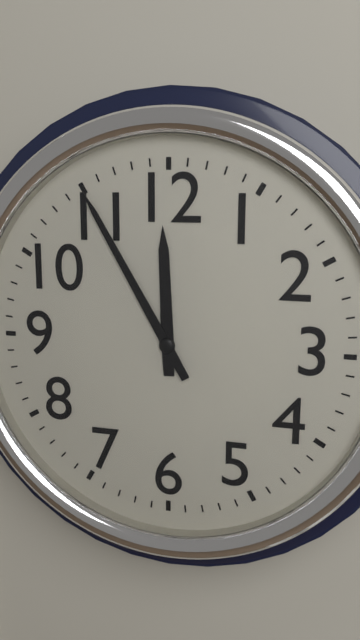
11:55
